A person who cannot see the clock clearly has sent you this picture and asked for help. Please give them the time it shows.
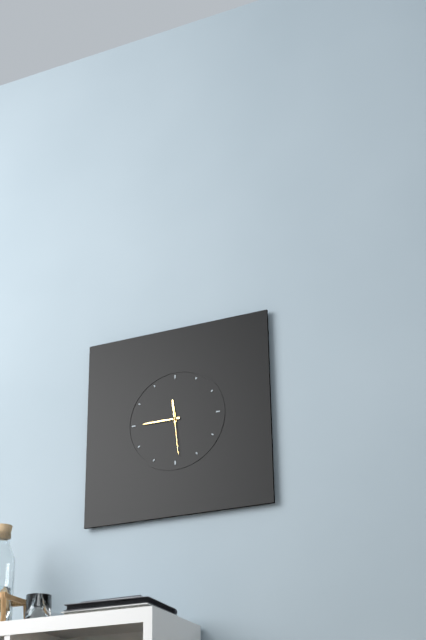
11:45
